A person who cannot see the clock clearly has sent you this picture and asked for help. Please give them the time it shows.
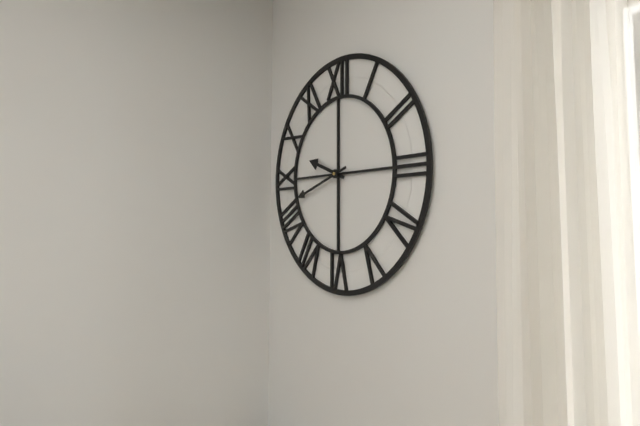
9:42
